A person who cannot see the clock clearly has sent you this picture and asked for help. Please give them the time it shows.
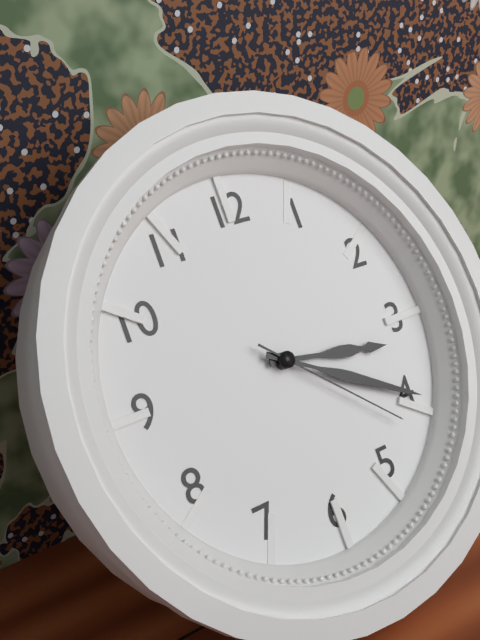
3:20:22
